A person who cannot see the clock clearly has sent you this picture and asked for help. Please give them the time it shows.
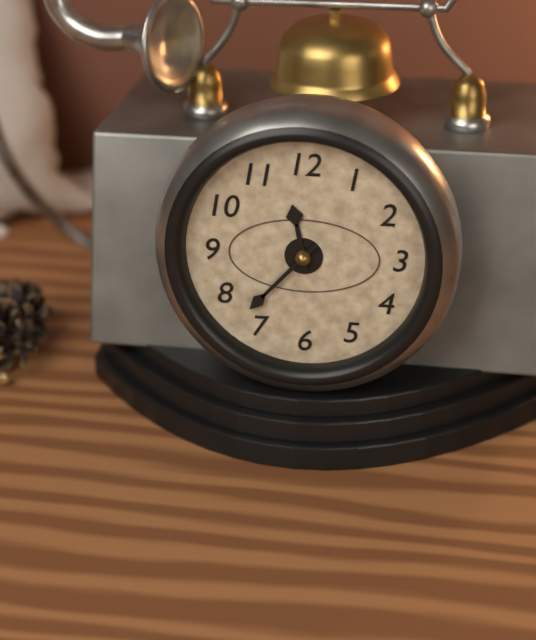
11:37
